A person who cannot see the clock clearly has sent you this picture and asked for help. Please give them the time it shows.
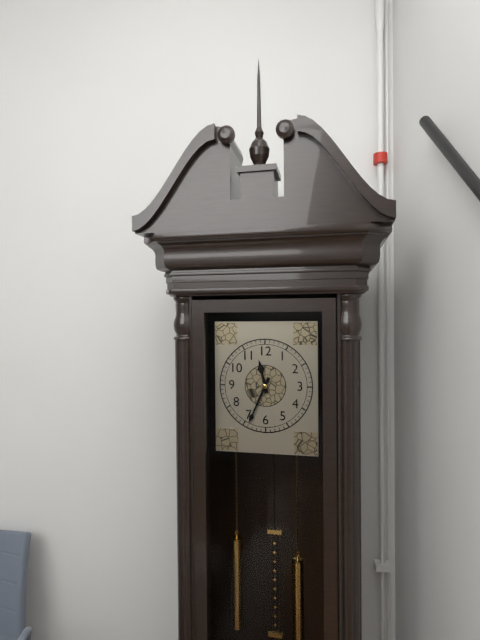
11:34
